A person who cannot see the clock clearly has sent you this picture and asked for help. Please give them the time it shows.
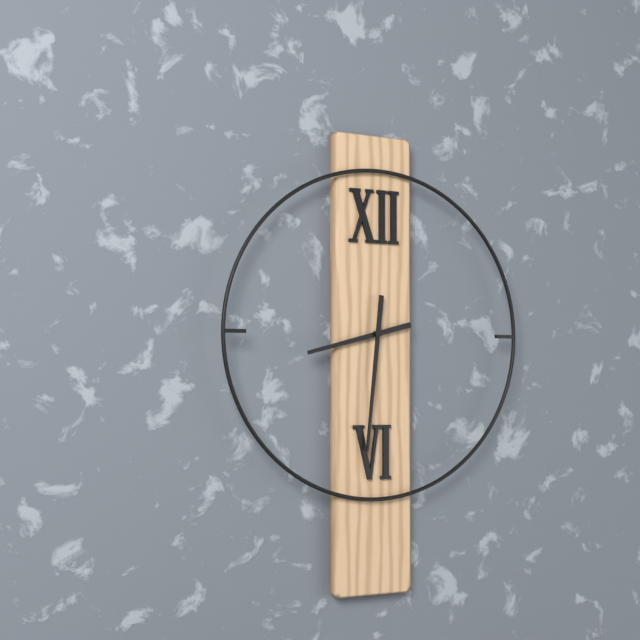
8:31
